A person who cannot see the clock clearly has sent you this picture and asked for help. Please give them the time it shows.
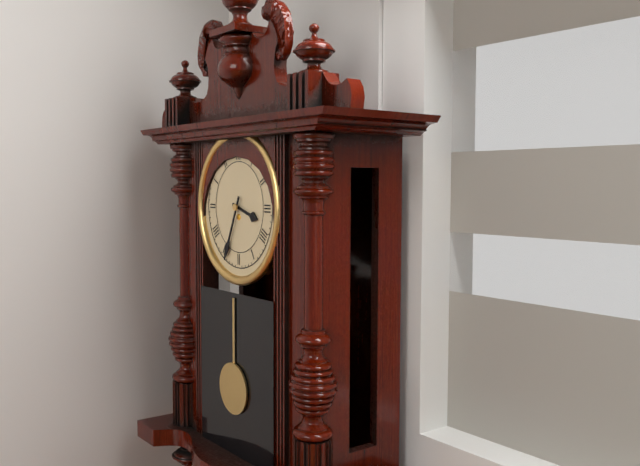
3:34
